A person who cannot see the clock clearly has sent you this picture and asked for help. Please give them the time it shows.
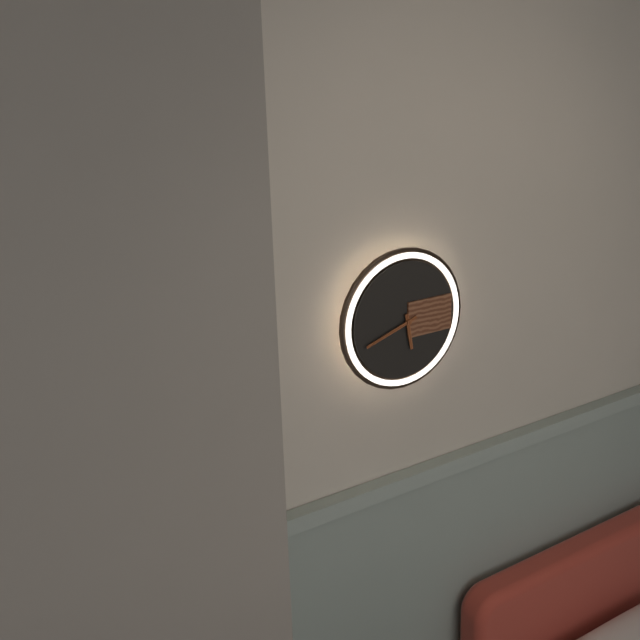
5:42
